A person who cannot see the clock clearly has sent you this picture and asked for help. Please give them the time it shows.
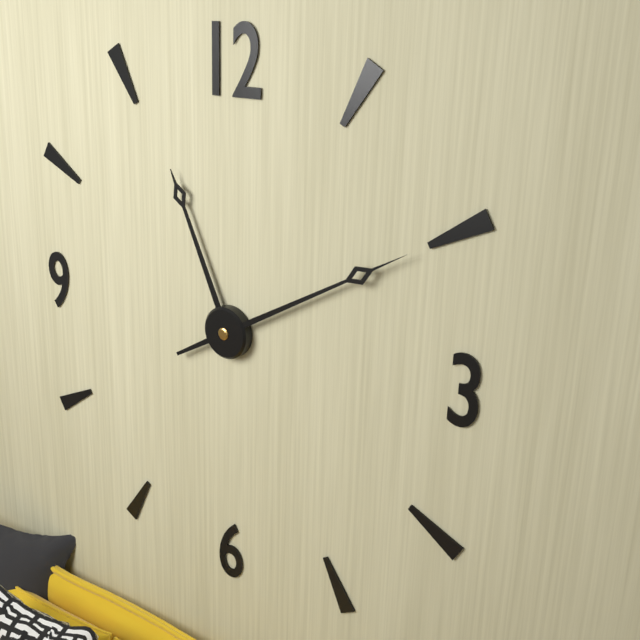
11:10
